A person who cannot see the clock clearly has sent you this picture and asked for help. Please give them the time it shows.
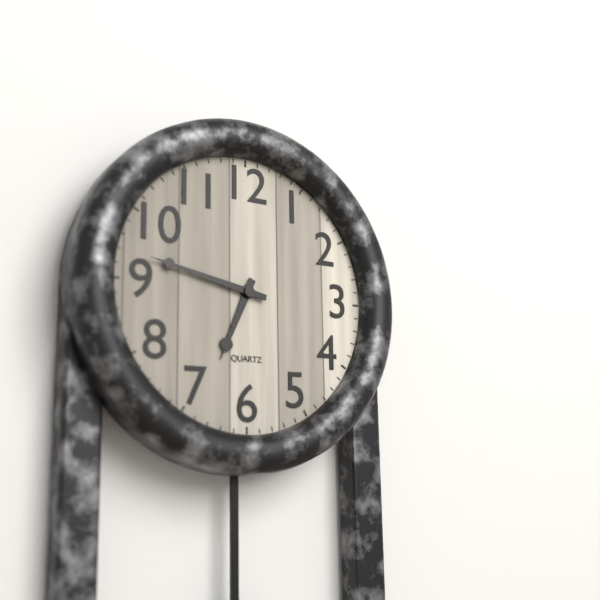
6:47
